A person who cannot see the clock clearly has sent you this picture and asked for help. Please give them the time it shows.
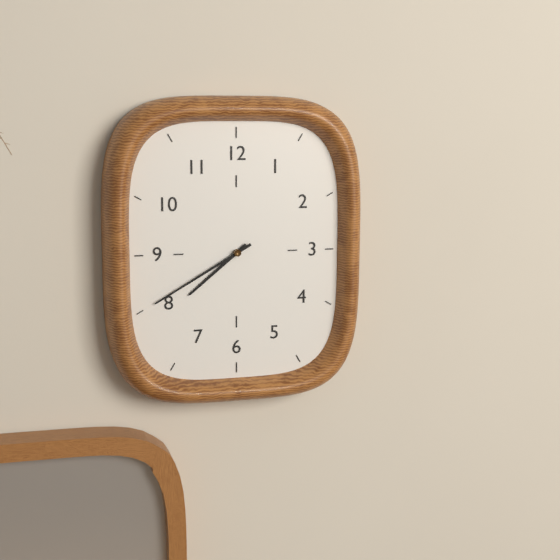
7:40
